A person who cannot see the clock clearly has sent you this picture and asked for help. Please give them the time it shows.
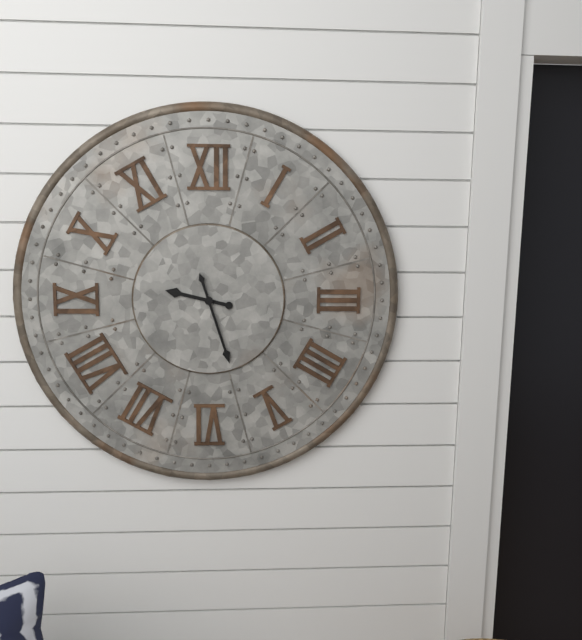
9:27
